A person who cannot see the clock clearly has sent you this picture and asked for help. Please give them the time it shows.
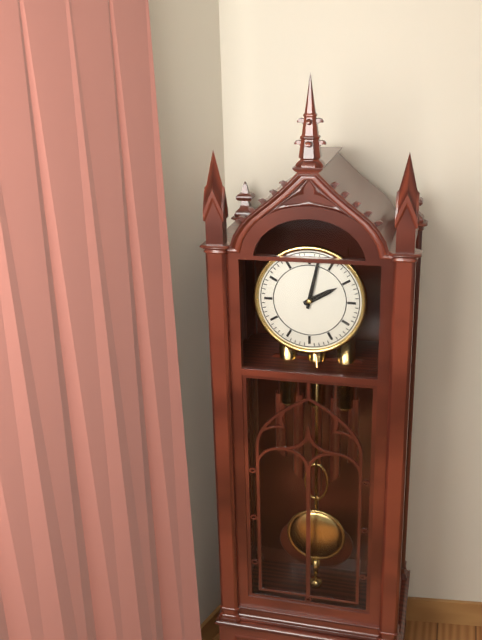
2:02
